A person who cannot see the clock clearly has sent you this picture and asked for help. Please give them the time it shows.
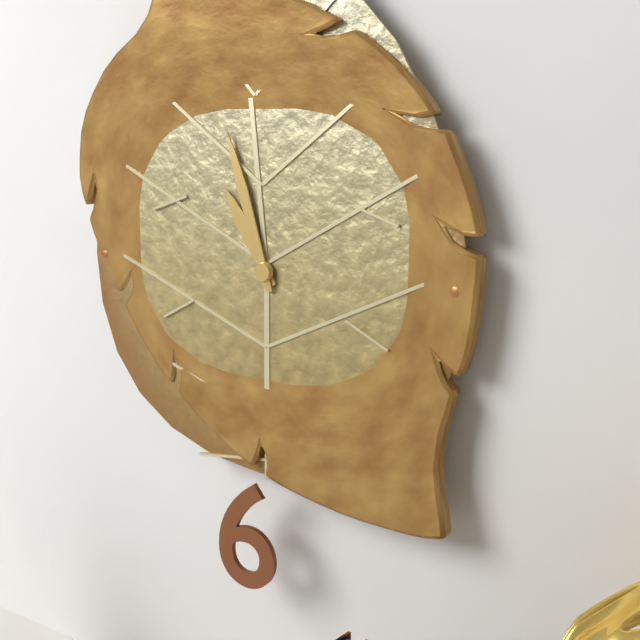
10:57
